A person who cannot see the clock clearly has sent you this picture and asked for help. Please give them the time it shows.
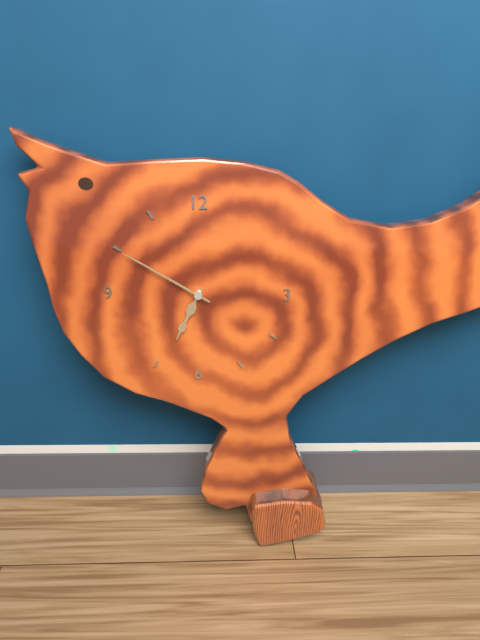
6:50
